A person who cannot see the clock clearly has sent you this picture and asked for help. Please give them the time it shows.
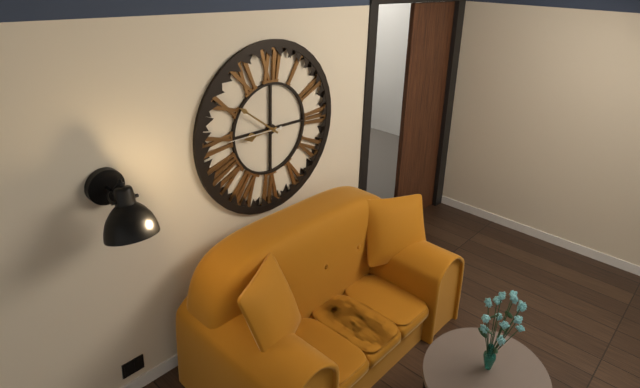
8:51:45
